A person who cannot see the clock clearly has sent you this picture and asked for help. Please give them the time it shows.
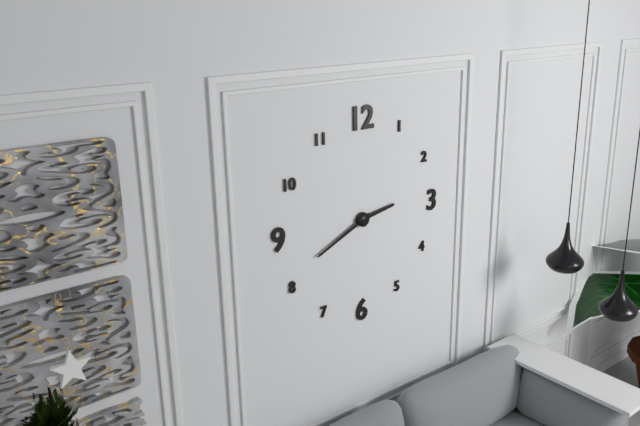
2:41
